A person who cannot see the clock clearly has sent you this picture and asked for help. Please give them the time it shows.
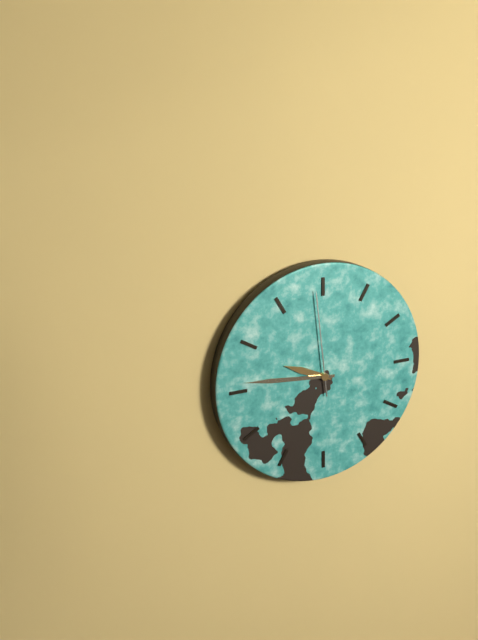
9:46:59
